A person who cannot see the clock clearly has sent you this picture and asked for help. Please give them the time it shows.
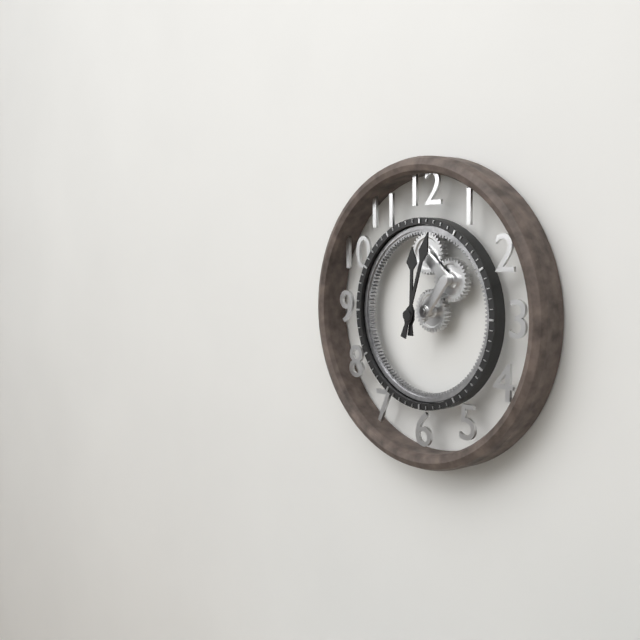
12:03
